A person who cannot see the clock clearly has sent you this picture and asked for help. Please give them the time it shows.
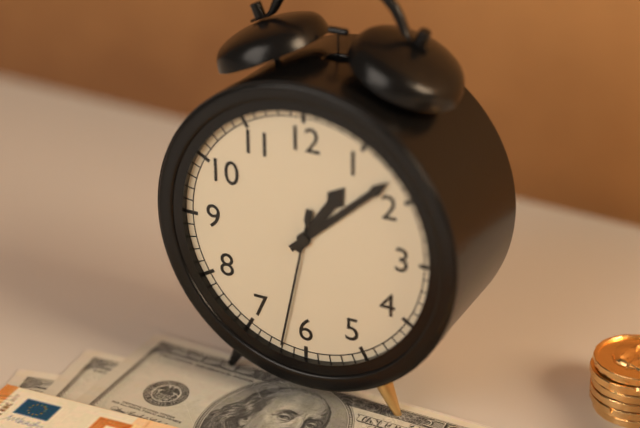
1:08:32
